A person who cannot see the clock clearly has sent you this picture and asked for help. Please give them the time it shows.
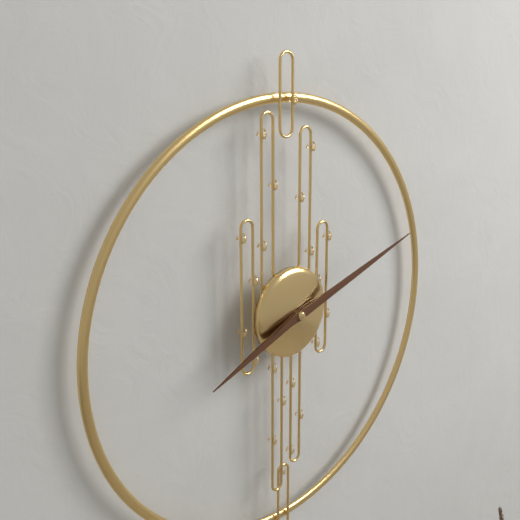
8:12
